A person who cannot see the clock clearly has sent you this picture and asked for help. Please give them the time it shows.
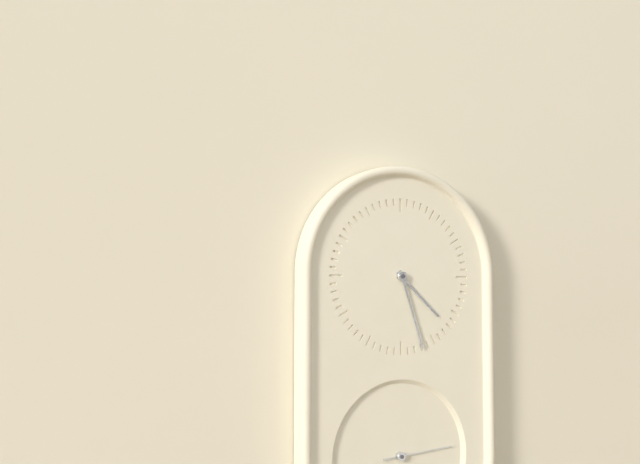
4:27:14
